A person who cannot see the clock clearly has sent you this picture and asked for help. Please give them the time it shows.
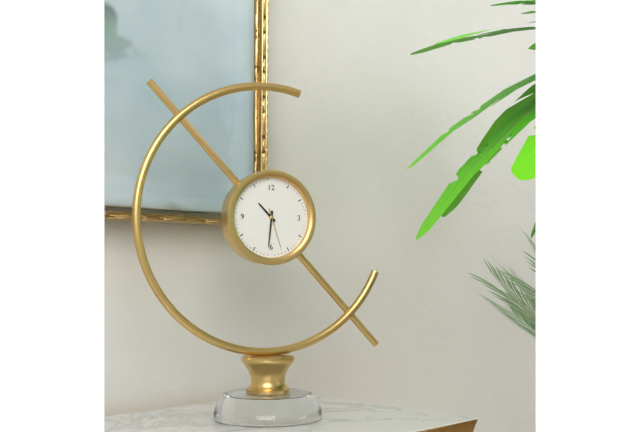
10:31
